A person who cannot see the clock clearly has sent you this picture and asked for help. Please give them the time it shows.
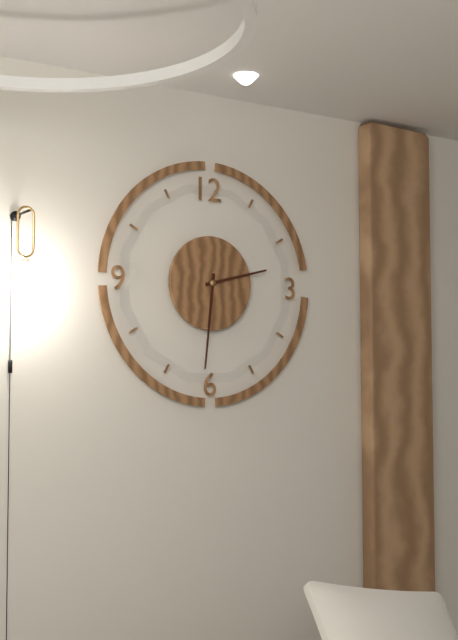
2:31
